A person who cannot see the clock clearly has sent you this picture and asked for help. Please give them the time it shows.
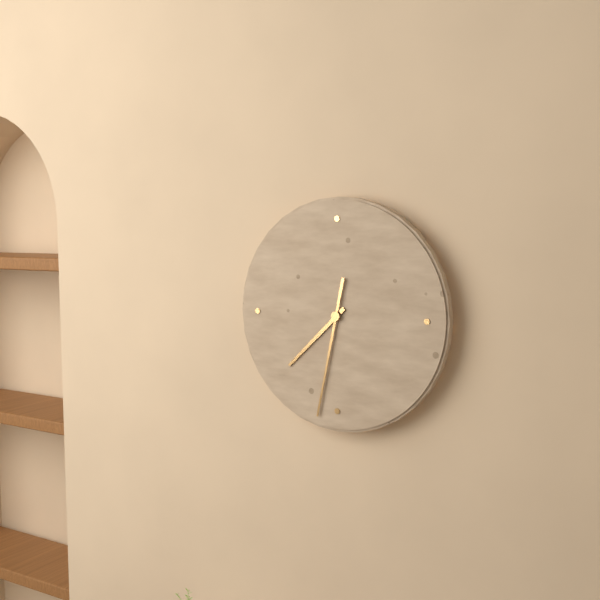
7:32
